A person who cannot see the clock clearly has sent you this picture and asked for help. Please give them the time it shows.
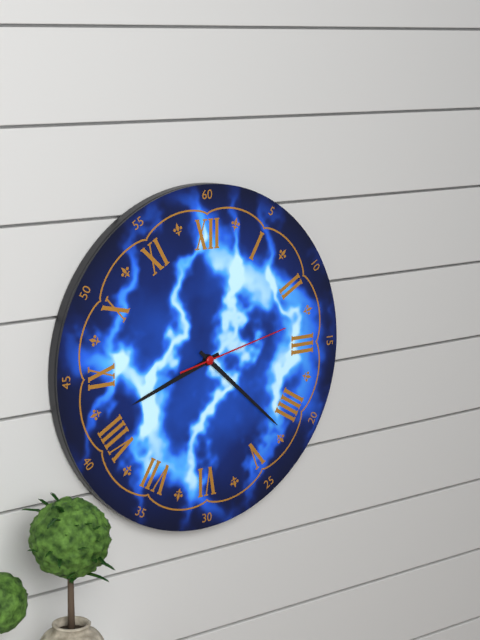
8:22:13
